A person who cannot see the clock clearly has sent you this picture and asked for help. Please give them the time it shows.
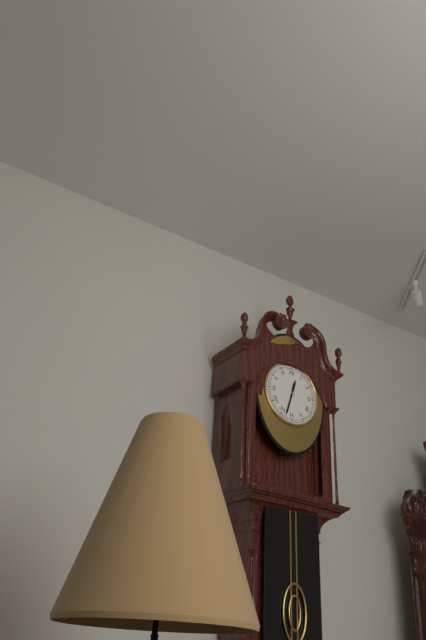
12:33
